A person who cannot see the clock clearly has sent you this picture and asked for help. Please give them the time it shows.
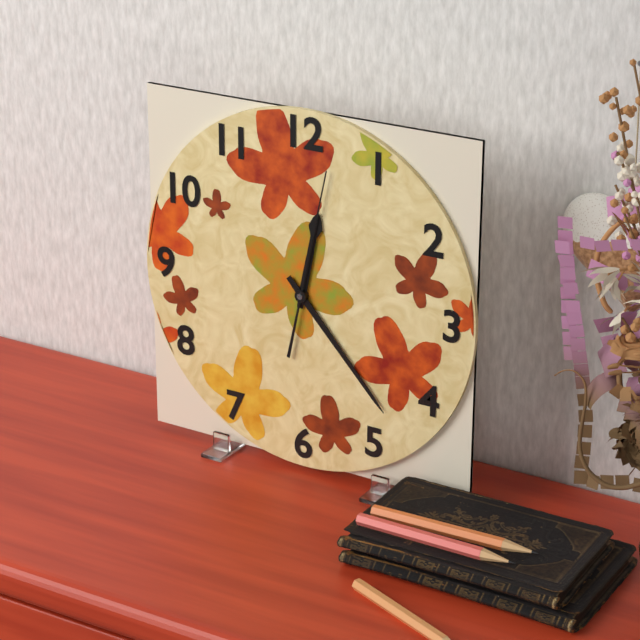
12:23:02
